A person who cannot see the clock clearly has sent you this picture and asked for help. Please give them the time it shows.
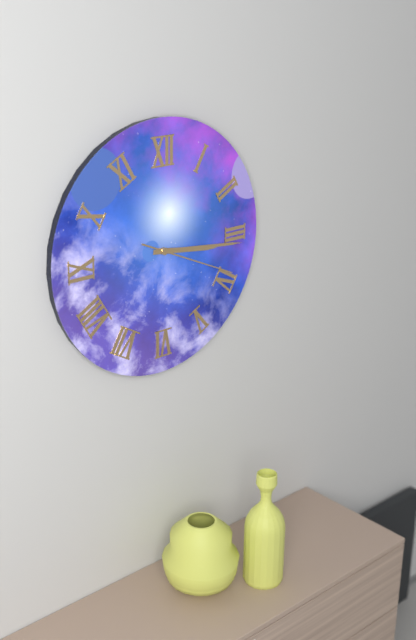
3:16:19
